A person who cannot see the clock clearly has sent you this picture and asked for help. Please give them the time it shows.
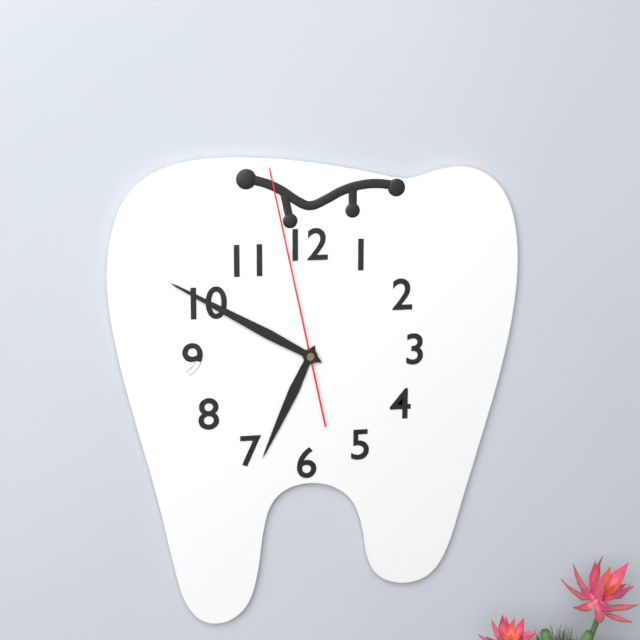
6:50:58
